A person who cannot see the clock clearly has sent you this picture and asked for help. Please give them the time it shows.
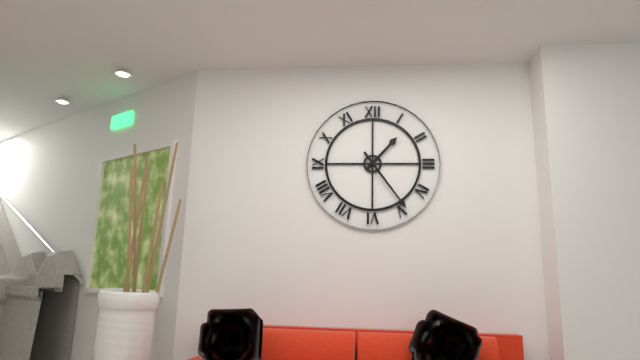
1:24
